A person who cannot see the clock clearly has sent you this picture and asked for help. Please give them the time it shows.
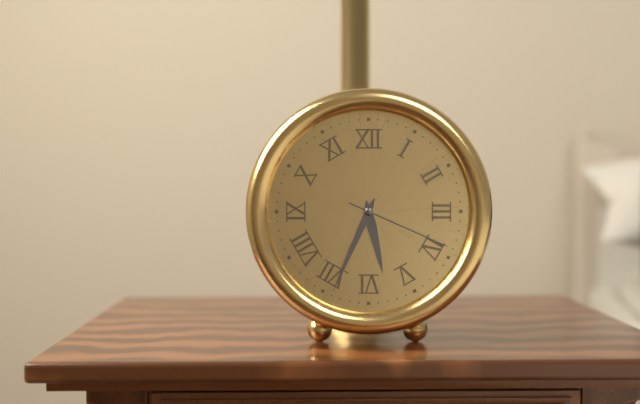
5:34:19
